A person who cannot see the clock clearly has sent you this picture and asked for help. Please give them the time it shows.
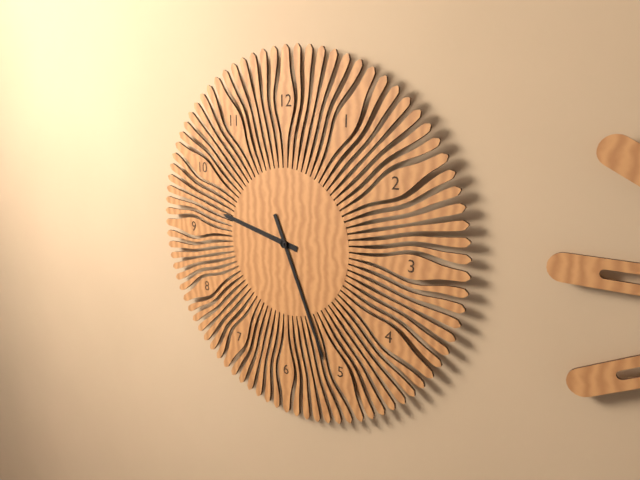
9:26
